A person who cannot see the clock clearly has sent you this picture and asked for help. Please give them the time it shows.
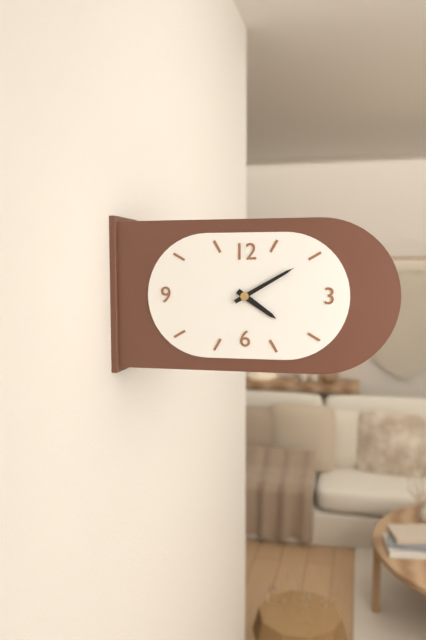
4:10
